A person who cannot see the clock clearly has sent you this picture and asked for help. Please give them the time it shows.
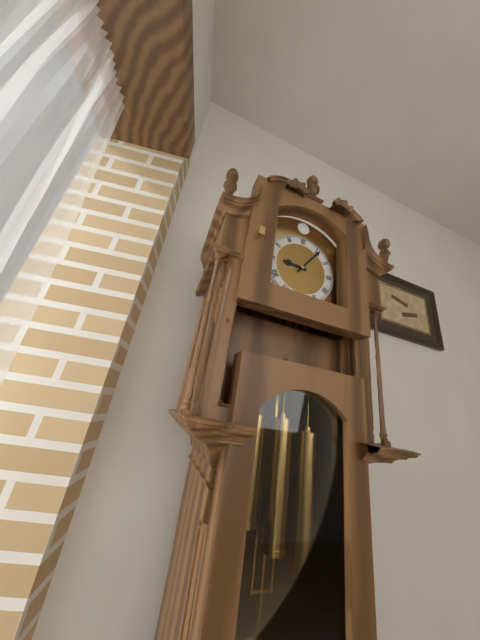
9:06
